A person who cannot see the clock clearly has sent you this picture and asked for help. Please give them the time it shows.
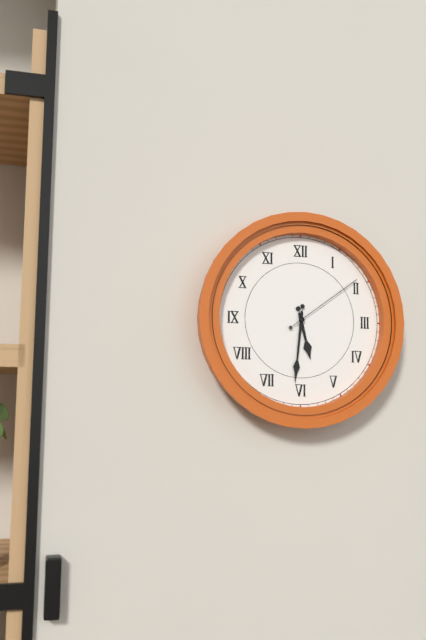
5:31:09
